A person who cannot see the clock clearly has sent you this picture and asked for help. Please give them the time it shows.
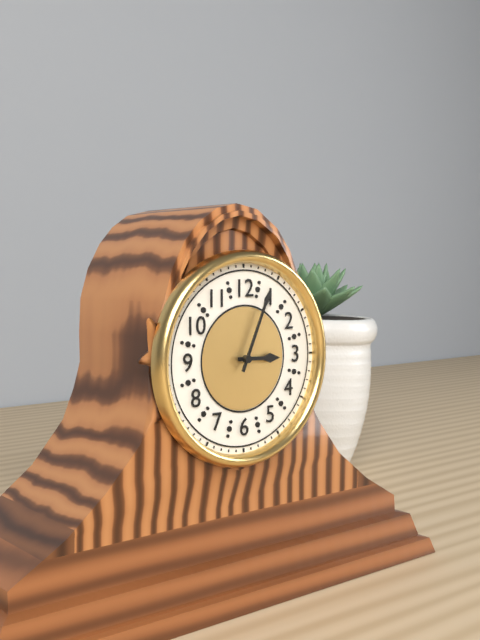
3:04
